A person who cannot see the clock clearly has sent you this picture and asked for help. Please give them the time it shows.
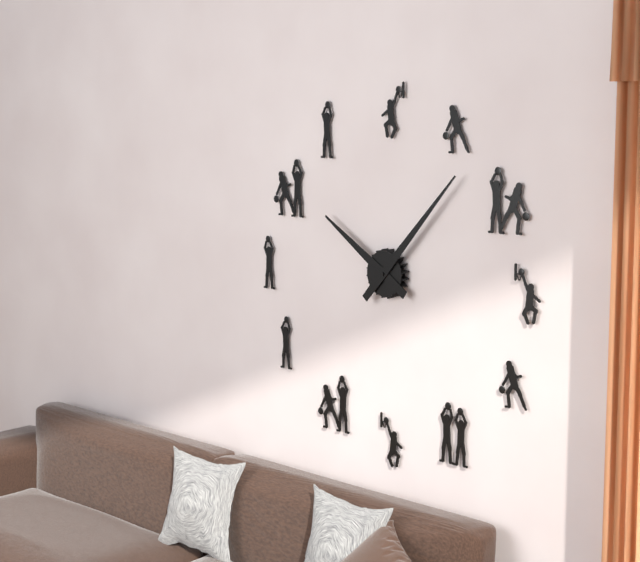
10:07
